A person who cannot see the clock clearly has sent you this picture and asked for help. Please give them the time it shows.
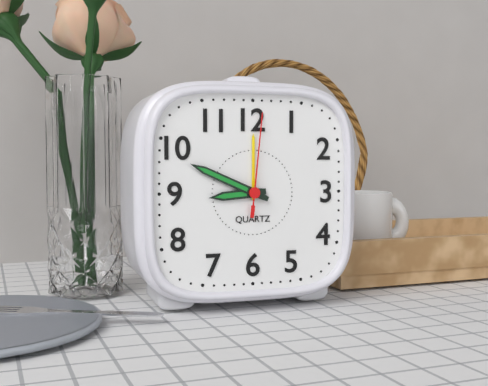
8:49:01
